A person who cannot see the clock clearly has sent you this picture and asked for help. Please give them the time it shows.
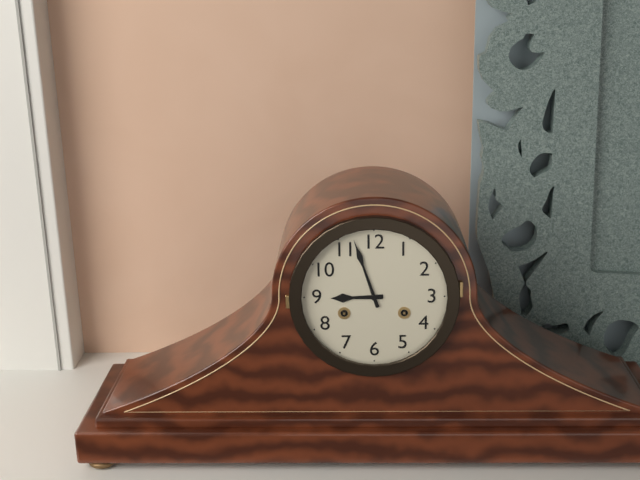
8:57
